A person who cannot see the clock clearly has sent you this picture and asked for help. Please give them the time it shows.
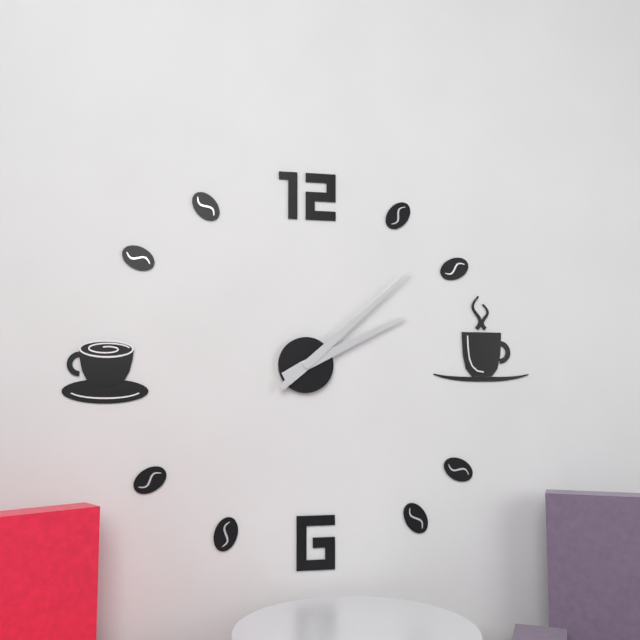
2:08
